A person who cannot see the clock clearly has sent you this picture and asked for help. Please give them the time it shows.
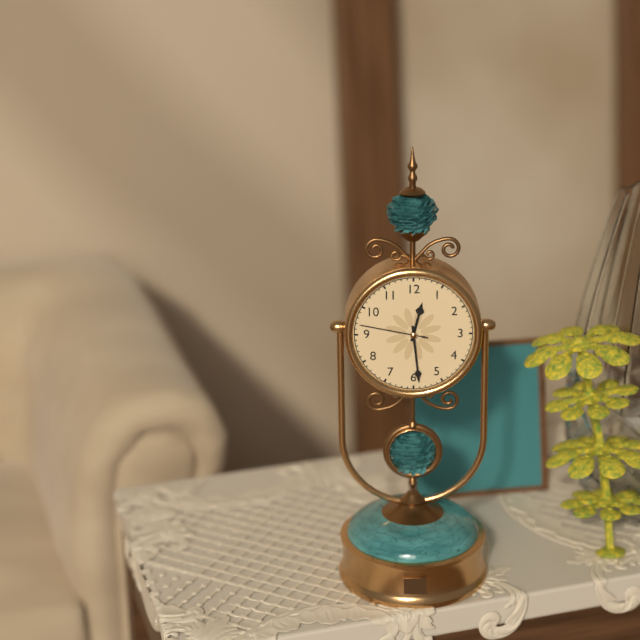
12:29:47
